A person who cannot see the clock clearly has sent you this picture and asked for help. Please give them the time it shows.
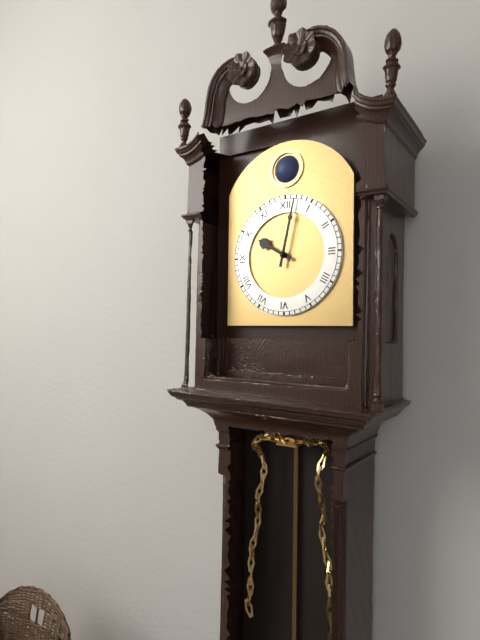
10:02
